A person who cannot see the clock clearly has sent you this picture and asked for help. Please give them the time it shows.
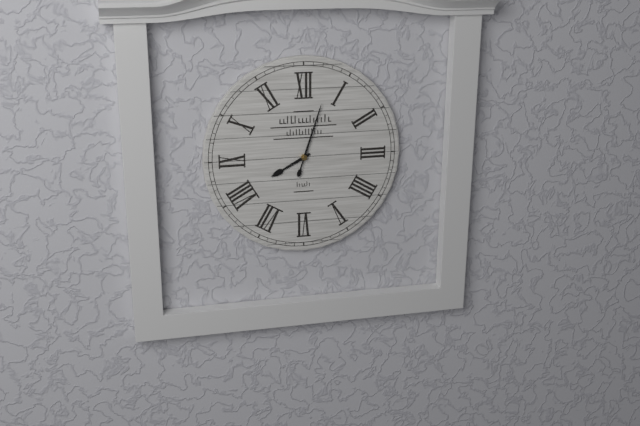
8:03
